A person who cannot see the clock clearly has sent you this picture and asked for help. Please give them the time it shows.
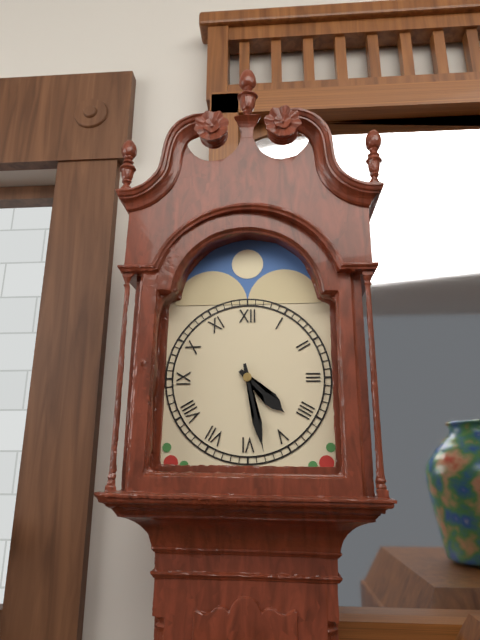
4:28
